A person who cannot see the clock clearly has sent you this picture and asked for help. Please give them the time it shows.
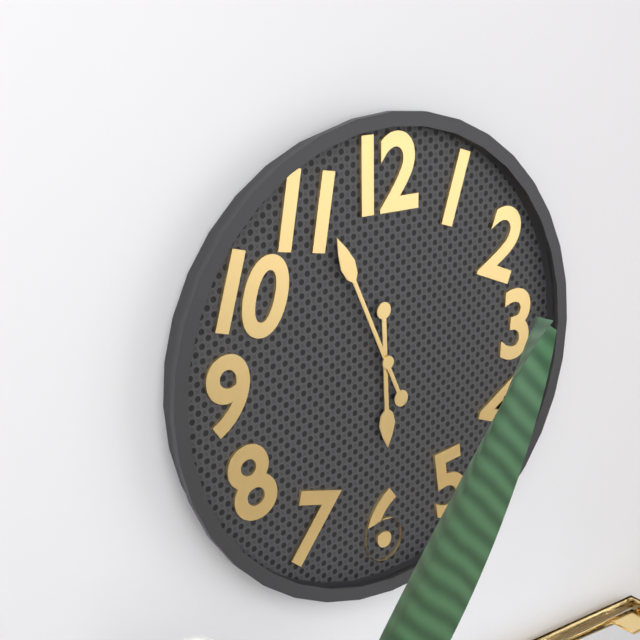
5:56
